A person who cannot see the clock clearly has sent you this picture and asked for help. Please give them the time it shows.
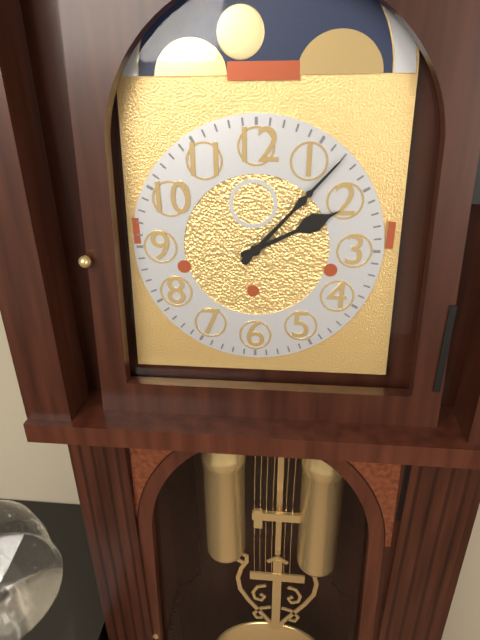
2:07
